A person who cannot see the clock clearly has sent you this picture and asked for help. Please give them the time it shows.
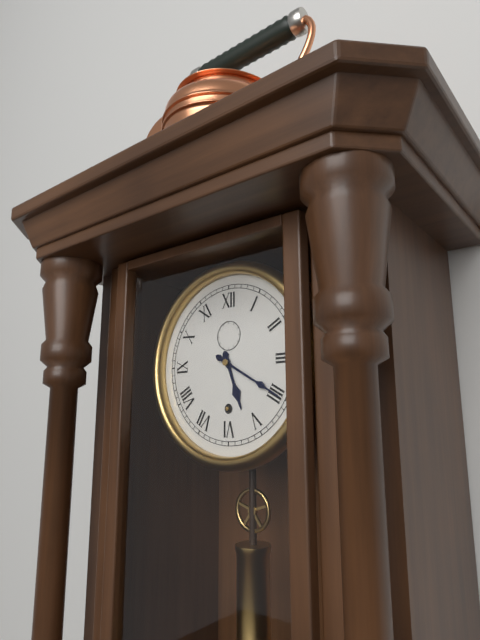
5:20
